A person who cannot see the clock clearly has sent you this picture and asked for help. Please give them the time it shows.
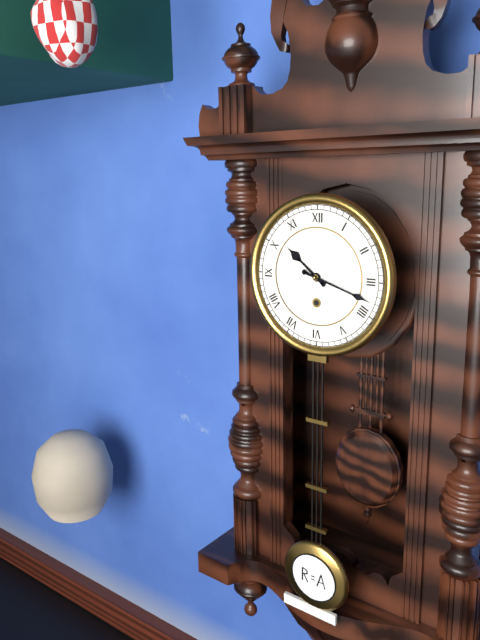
10:18
